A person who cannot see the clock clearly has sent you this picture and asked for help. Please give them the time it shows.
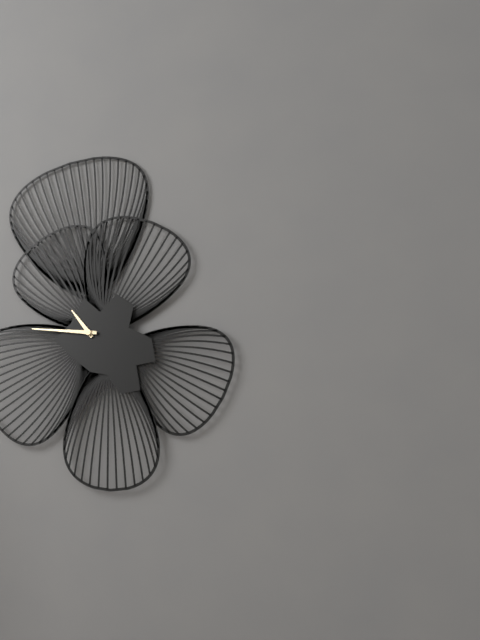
10:46
